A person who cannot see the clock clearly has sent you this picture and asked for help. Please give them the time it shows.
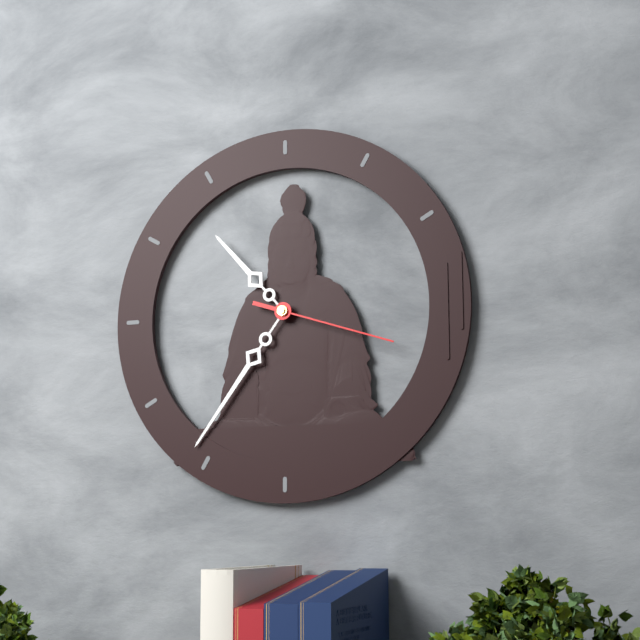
10:36:18
